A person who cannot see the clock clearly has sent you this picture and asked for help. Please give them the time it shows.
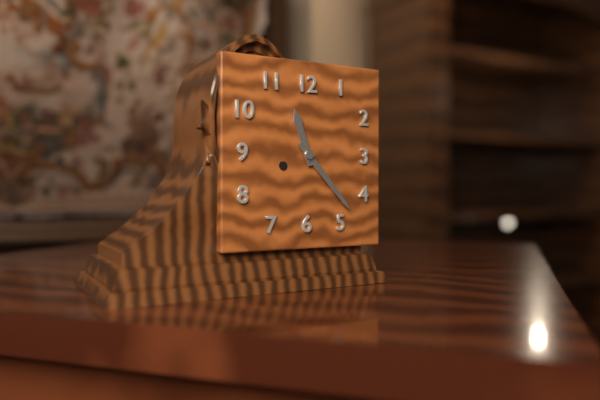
11:23
